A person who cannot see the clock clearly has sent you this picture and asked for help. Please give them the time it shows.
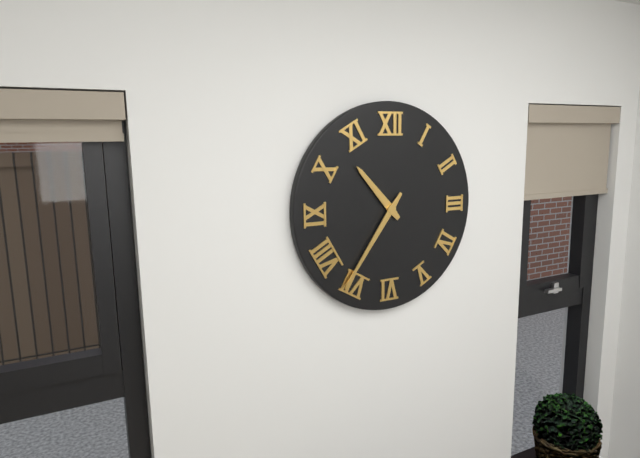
10:36
